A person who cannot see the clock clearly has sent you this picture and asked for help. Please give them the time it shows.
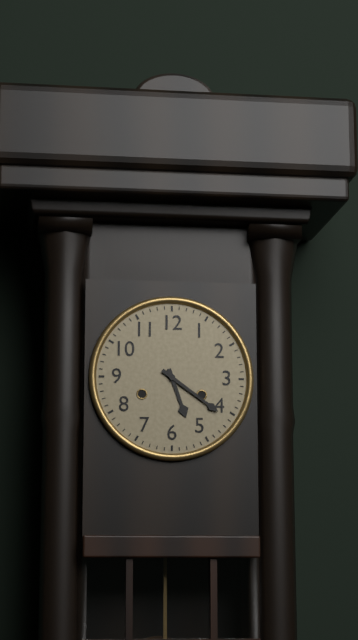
5:21
